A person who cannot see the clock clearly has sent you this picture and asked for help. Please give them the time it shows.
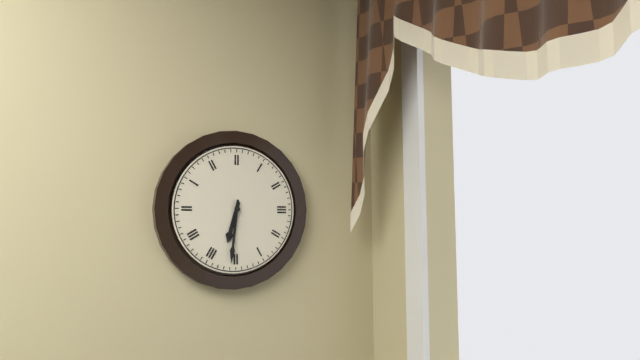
6:31
